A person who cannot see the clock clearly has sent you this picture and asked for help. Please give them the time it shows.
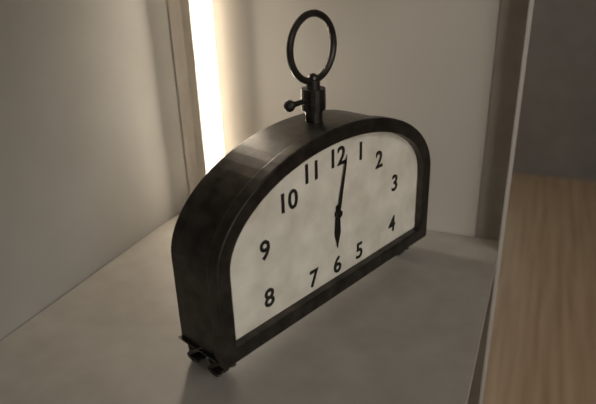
6:02
